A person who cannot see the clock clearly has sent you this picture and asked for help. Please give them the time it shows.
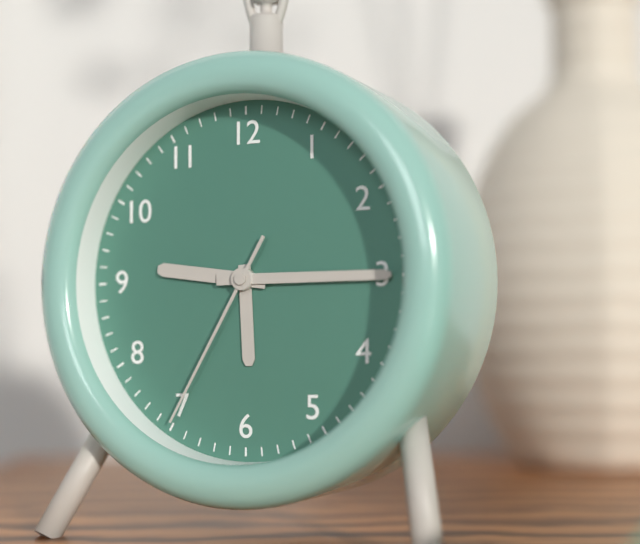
9:15:35
